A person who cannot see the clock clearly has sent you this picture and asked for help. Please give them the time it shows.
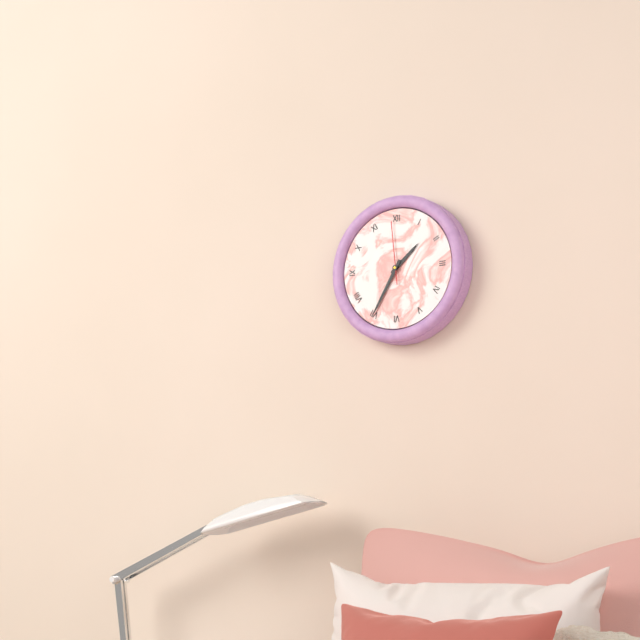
1:35:59
